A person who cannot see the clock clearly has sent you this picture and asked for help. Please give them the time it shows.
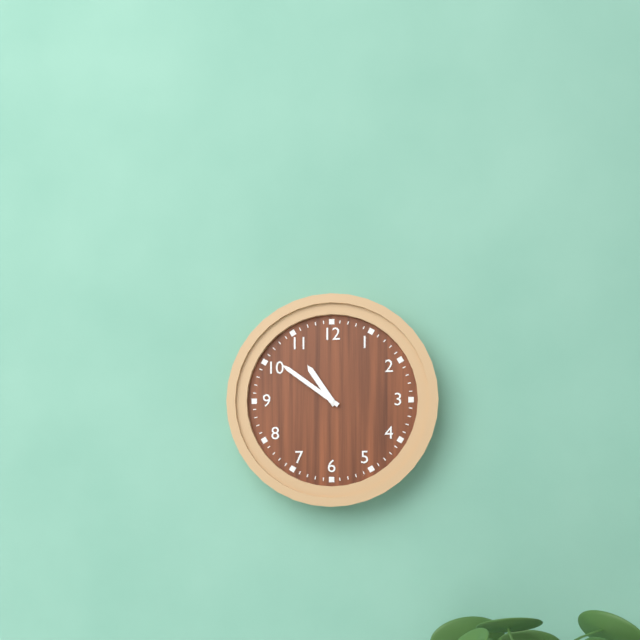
10:51
